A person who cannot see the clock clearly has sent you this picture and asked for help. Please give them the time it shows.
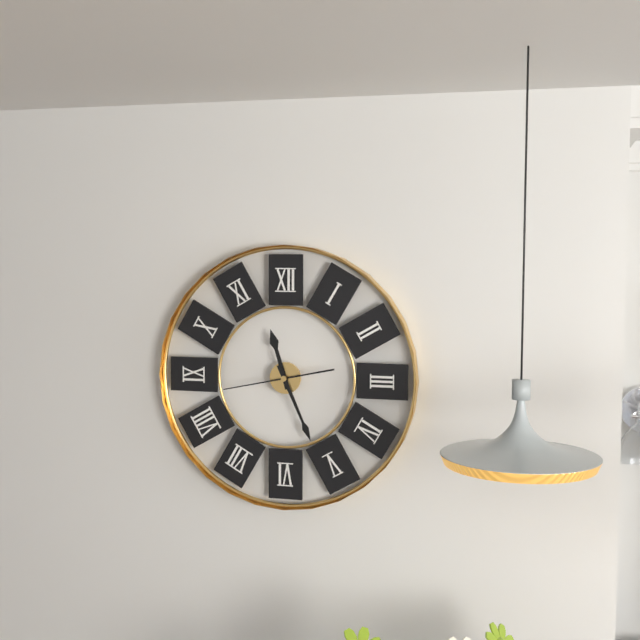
11:26:43
